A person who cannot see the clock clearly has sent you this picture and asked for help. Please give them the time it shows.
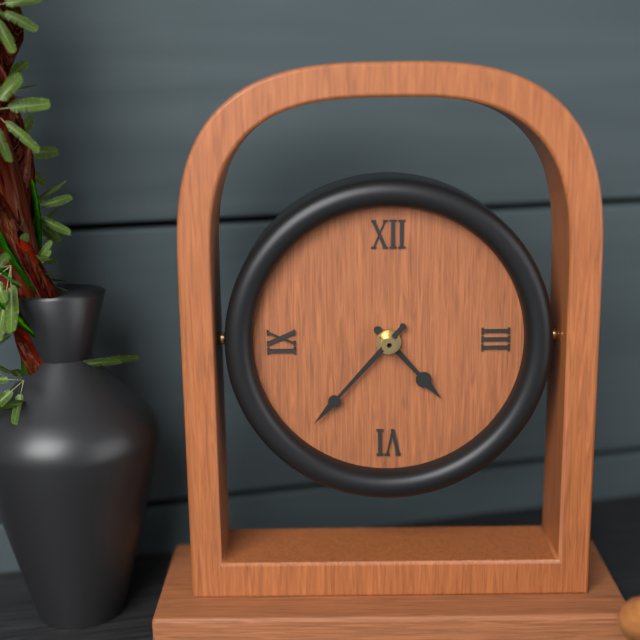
4:37
